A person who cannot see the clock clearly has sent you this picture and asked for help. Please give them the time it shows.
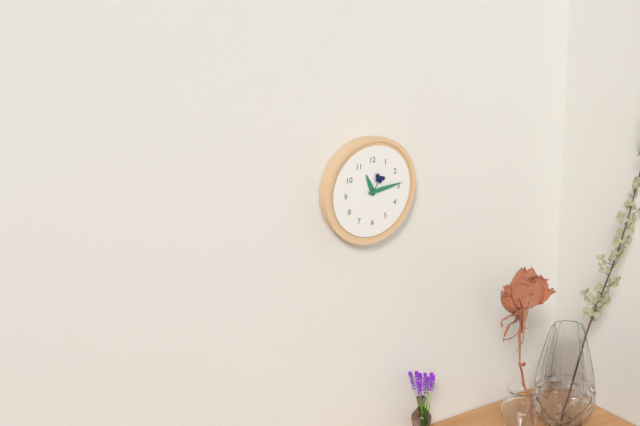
11:14
